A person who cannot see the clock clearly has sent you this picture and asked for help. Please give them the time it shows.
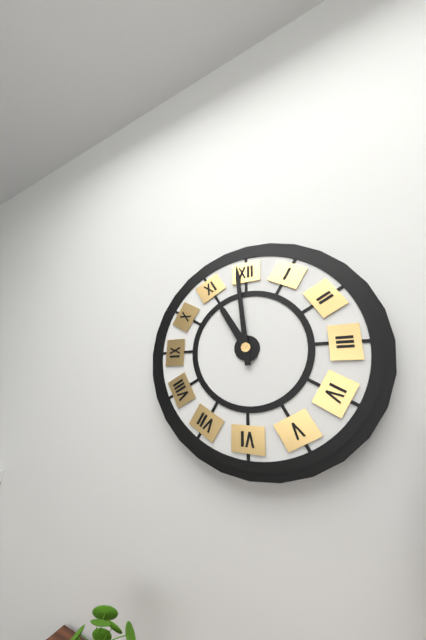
10:59
